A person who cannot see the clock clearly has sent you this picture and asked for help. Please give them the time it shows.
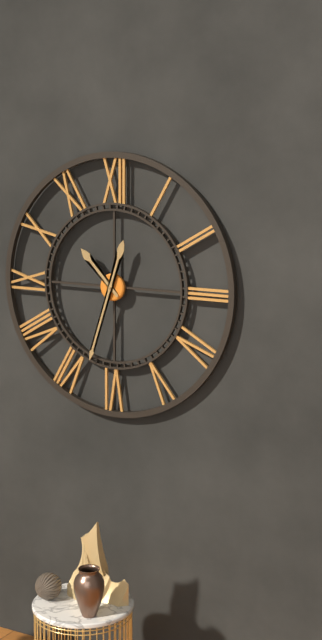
10:33
